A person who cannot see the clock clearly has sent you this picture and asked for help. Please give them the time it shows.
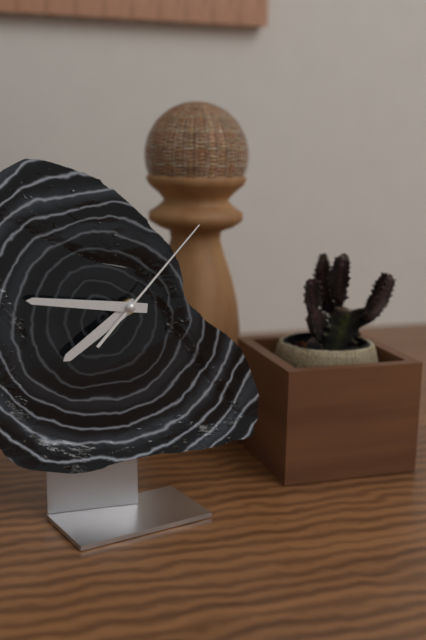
7:46:07
